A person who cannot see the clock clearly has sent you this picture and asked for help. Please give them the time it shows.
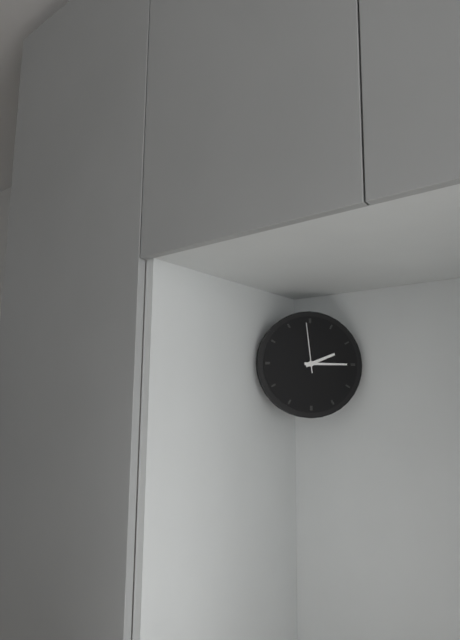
2:15:59
